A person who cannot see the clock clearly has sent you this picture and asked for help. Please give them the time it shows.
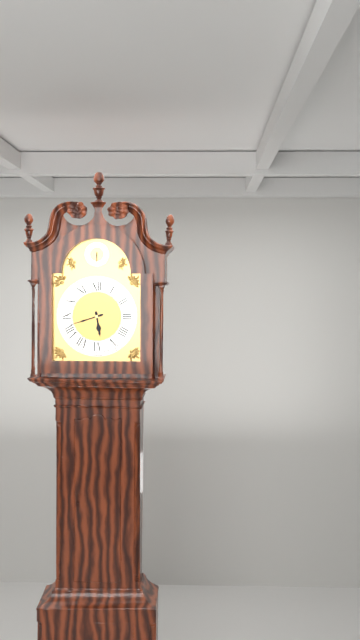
5:42
